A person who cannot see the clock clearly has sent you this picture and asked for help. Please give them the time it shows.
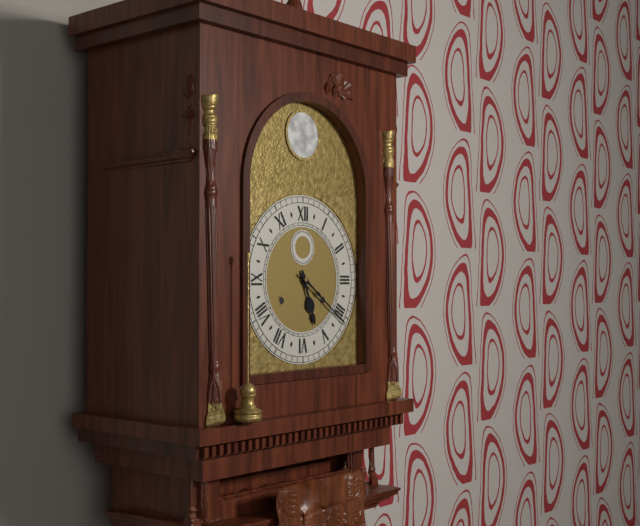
5:21
